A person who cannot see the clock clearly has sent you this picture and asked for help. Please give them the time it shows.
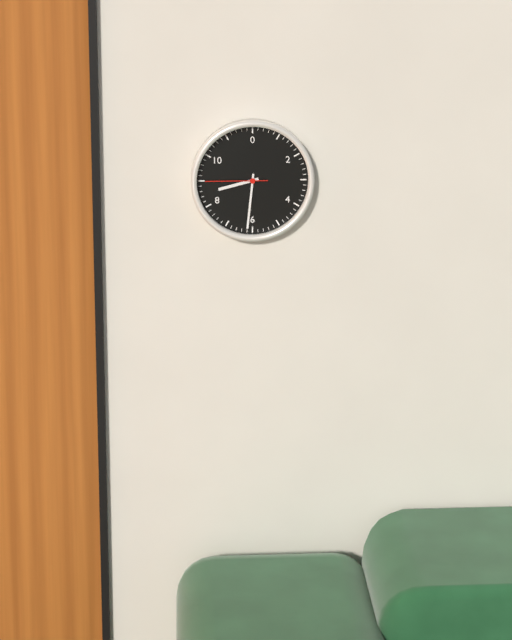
8:31:45
